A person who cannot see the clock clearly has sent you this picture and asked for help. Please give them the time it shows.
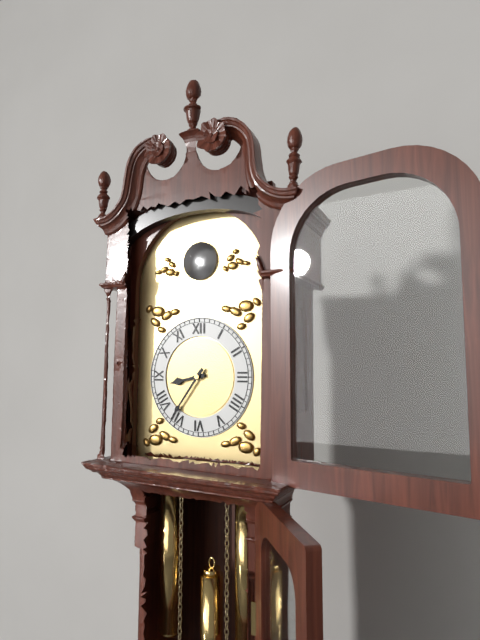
8:36
